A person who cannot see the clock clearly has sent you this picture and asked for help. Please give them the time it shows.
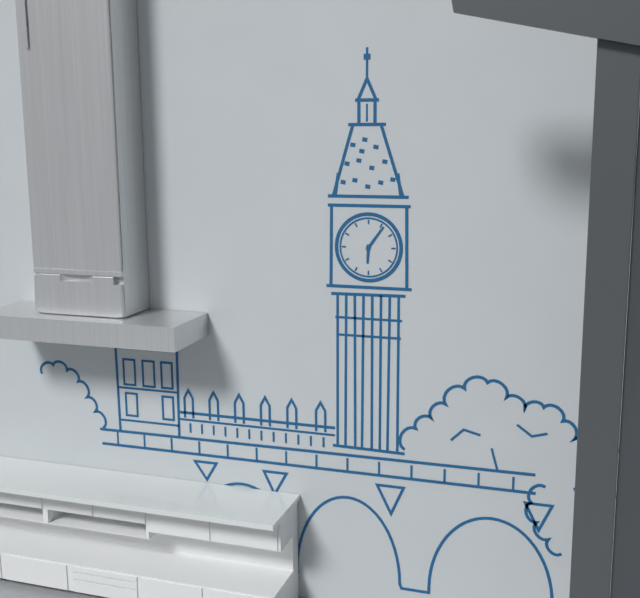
6:06
